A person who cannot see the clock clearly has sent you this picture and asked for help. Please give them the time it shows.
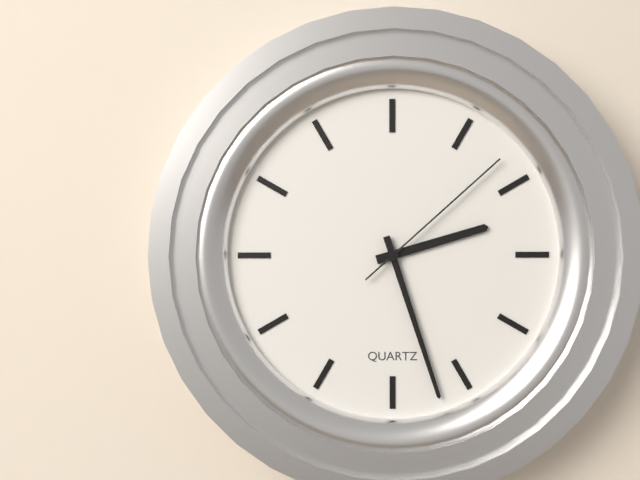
2:27:08
